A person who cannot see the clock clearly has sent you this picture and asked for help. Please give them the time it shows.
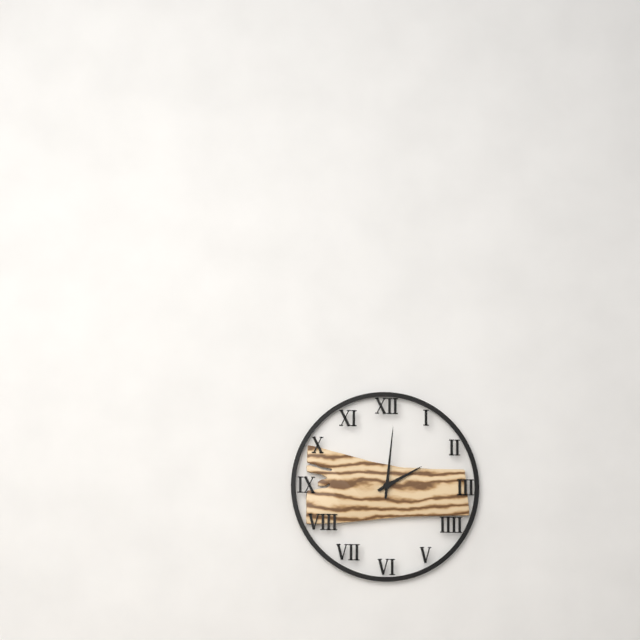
2:01
